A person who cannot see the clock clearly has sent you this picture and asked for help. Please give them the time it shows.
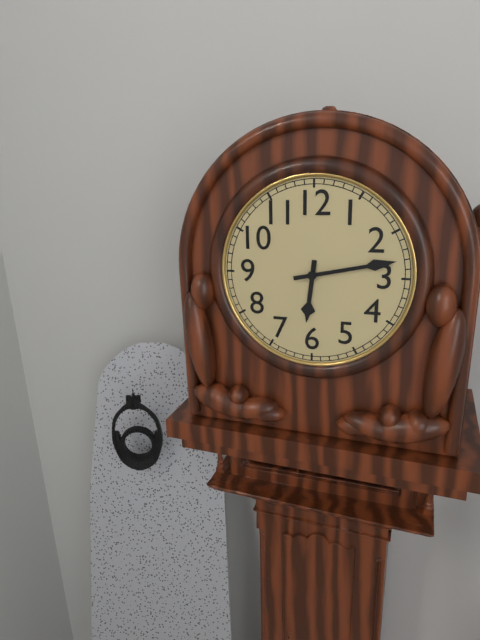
6:13
